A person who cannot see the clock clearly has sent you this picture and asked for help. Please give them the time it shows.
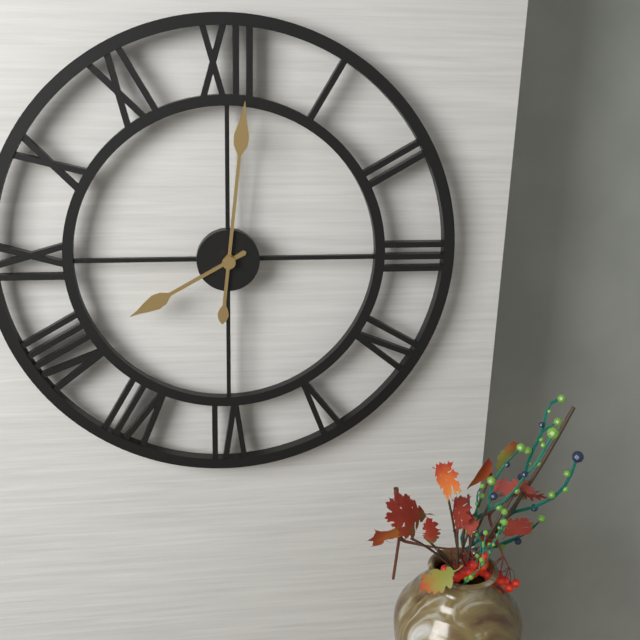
8:01
